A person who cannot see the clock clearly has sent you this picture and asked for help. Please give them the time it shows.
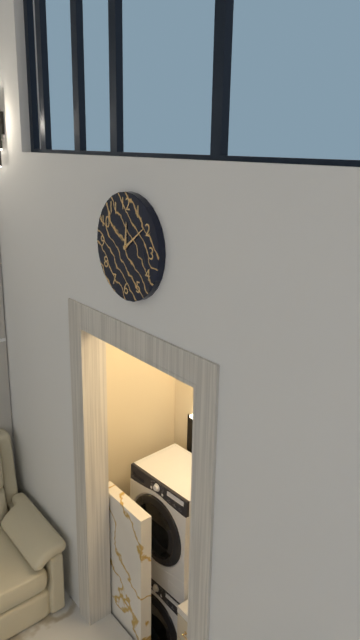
12:09
